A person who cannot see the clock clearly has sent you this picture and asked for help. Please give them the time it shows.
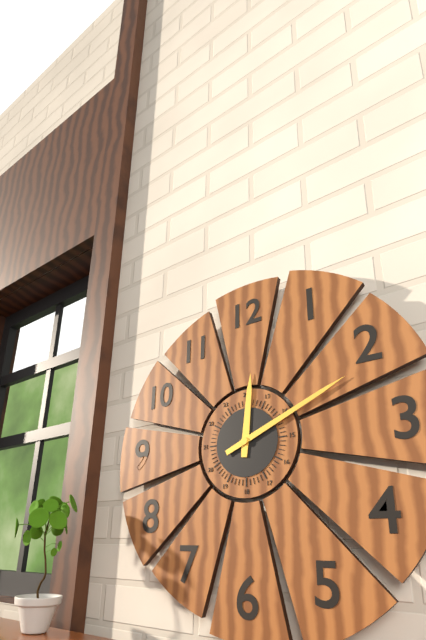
12:11
